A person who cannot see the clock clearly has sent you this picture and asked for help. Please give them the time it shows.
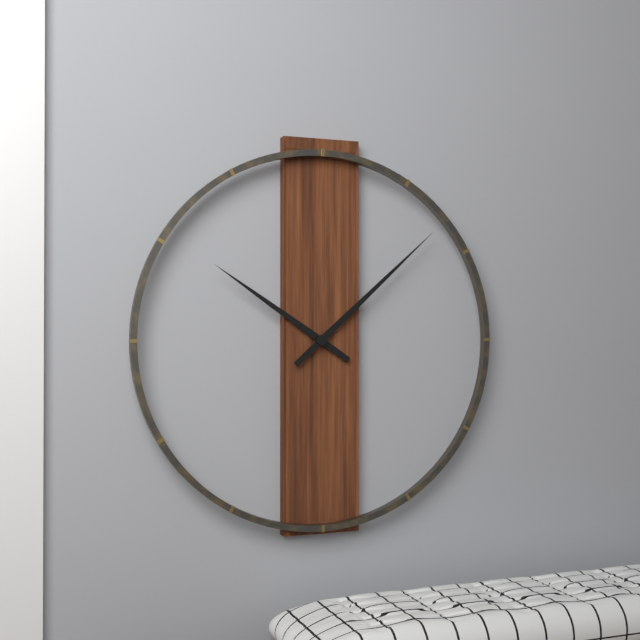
10:08
